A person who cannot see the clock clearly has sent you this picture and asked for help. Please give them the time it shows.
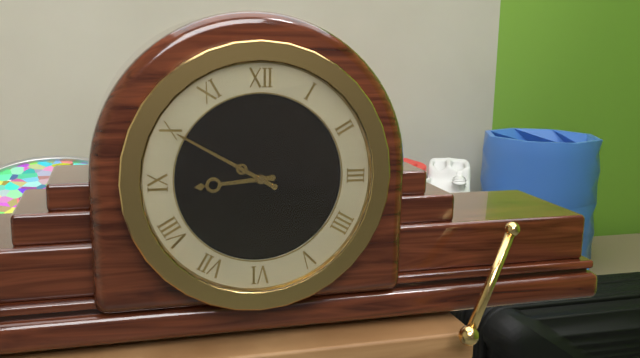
8:50
